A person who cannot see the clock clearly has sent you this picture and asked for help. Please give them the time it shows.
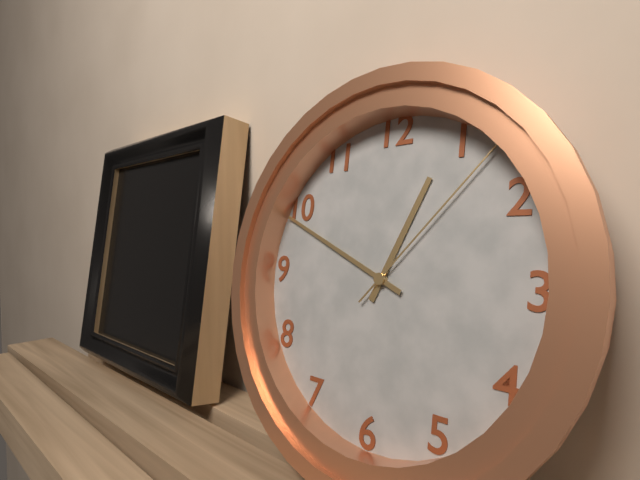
12:49:07
